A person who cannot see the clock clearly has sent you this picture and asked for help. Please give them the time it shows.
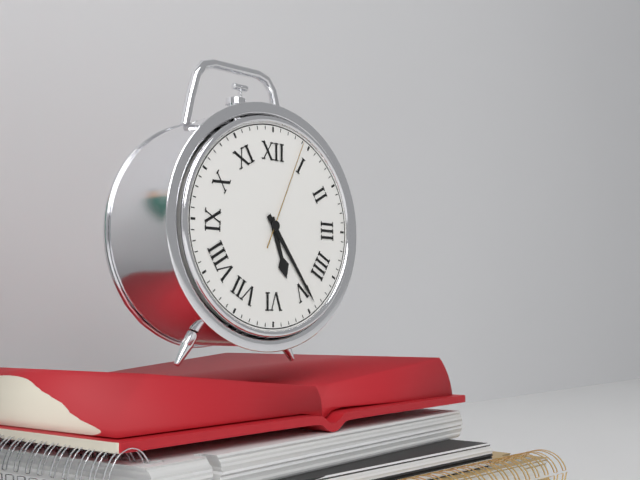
5:24:04
